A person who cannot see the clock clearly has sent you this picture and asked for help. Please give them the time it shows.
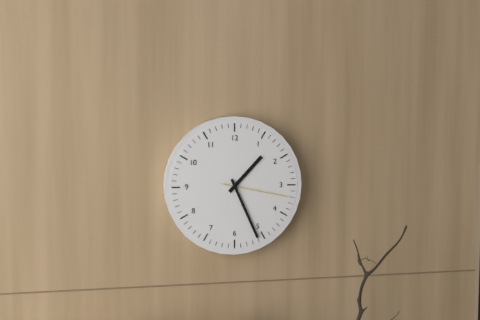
1:26:17
